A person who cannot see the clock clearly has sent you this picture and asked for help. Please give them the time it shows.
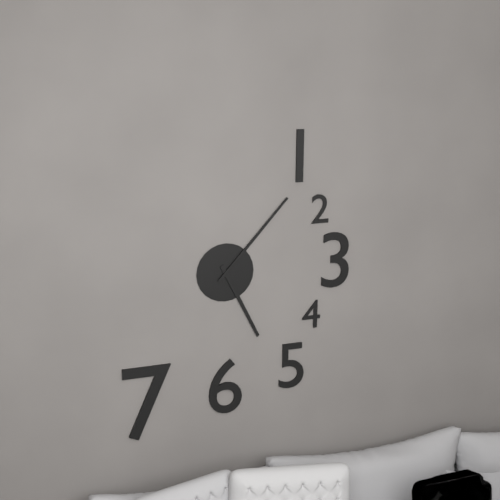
5:07
